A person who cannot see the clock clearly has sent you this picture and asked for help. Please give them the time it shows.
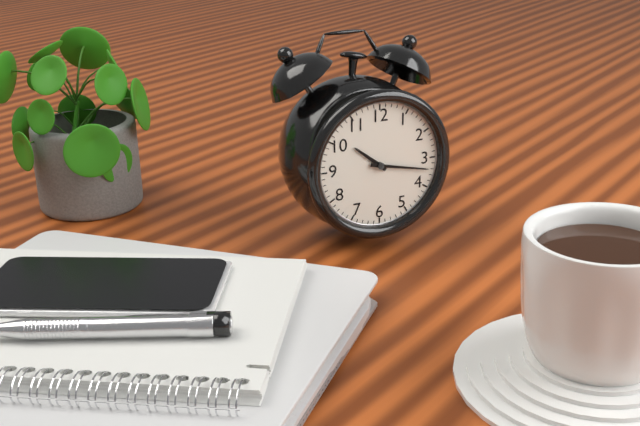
10:17
